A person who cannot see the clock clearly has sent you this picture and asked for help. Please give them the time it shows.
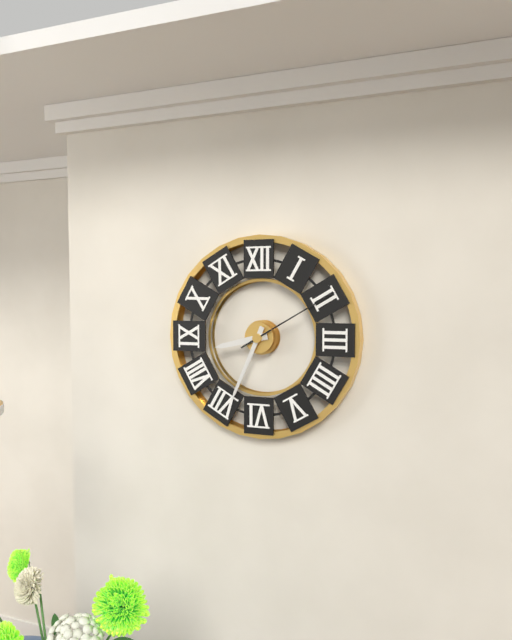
8:34:10
